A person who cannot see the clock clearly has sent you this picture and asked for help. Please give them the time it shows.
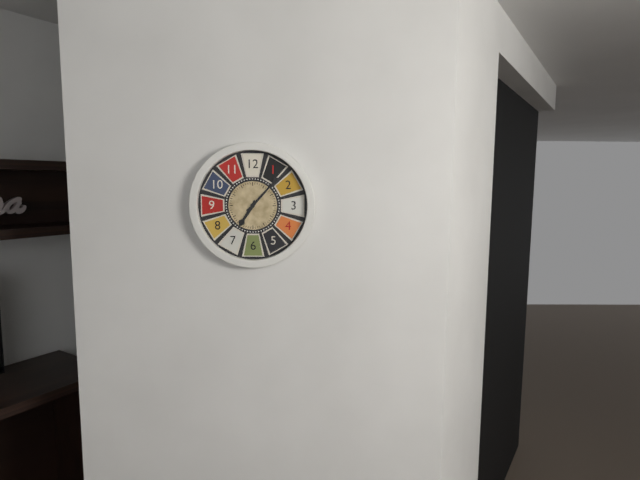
7:07
